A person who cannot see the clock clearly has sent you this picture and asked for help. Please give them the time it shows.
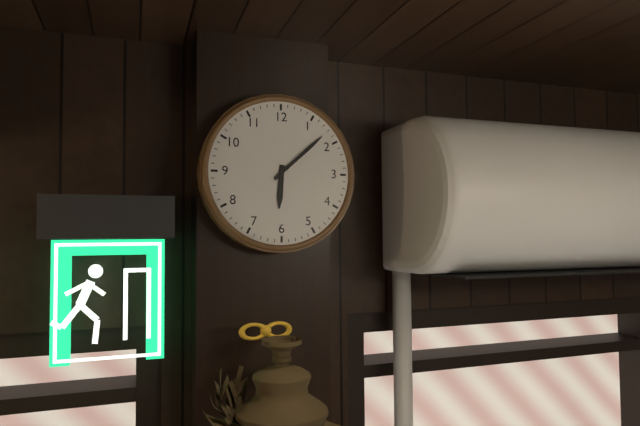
6:08
